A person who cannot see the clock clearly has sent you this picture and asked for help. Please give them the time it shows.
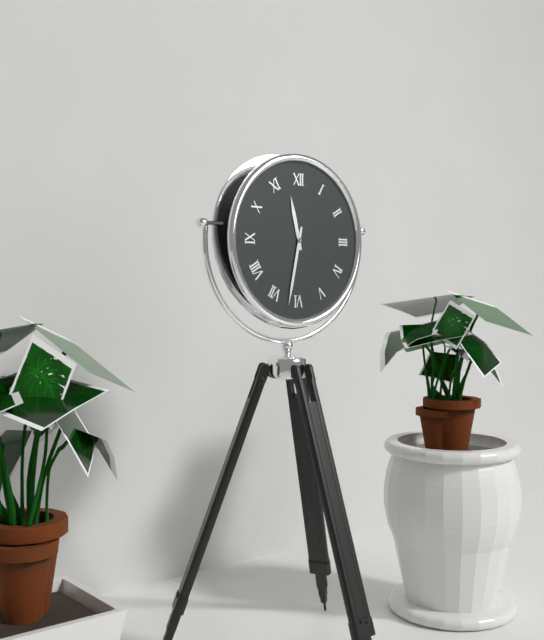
11:32
